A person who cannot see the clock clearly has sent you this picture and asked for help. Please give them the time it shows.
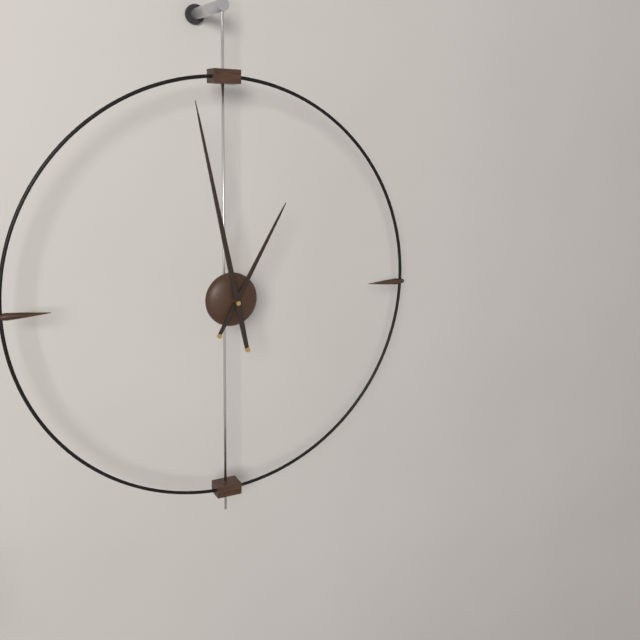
12:58
